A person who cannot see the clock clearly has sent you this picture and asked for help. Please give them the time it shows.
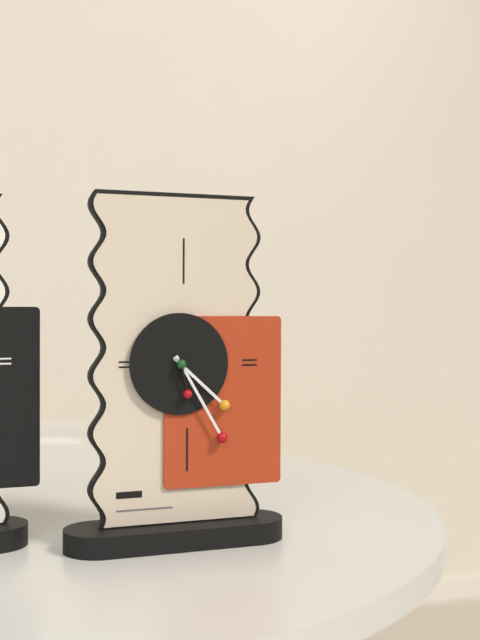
4:25
